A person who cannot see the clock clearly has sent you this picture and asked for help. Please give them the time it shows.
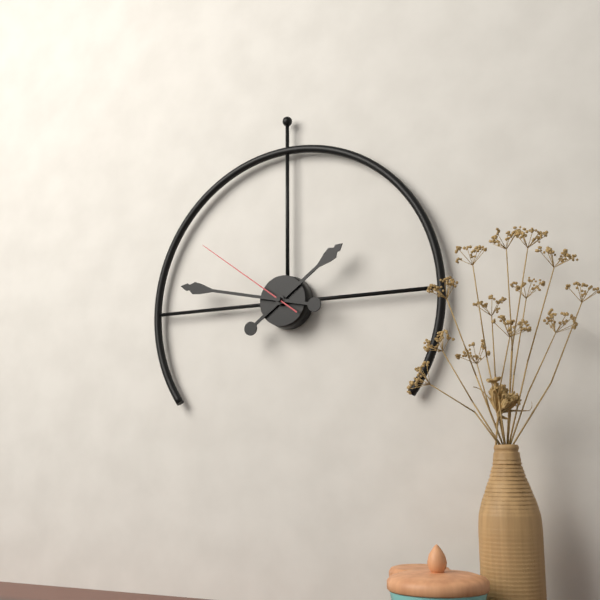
1:47:51
